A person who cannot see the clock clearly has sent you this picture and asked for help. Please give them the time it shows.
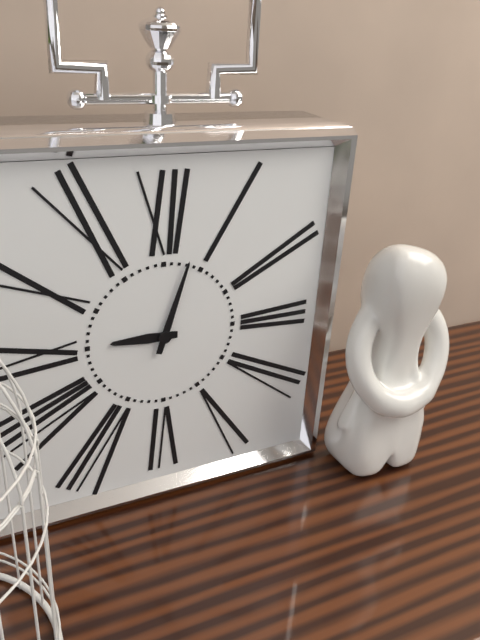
9:03
